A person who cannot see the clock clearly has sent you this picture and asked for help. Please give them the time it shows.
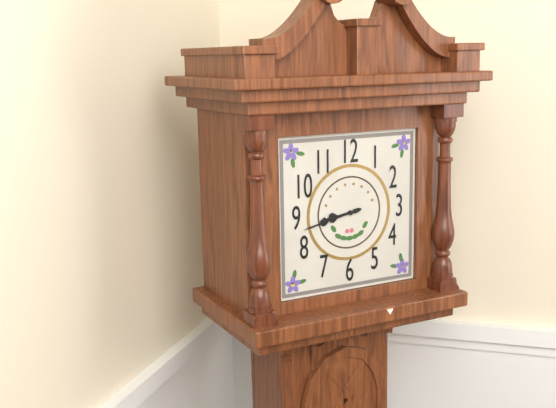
8:43
